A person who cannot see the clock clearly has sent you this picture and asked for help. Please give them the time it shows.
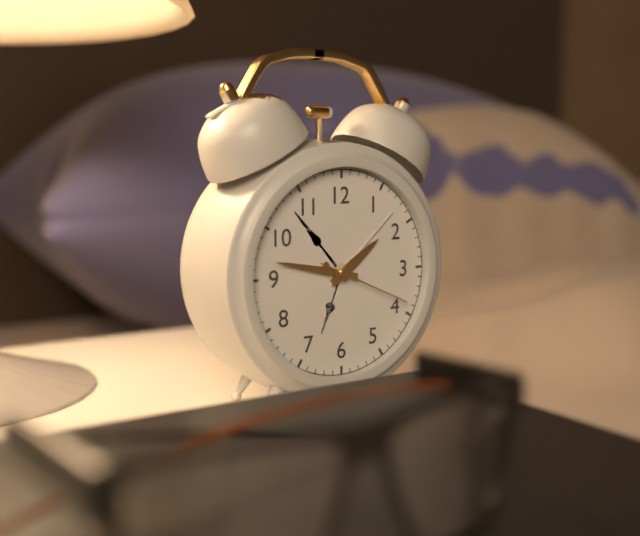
1:47:19
